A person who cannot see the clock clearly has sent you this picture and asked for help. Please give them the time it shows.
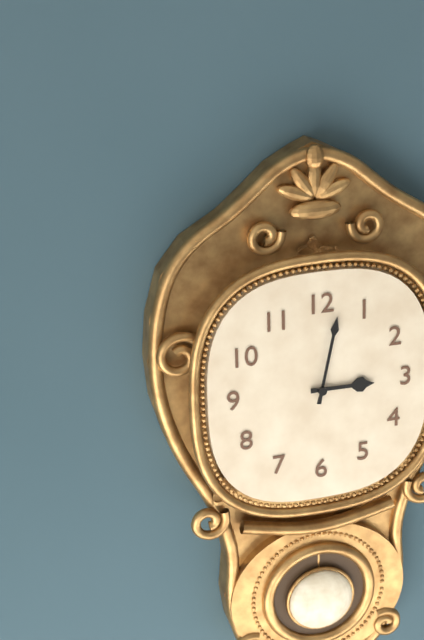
3:02
